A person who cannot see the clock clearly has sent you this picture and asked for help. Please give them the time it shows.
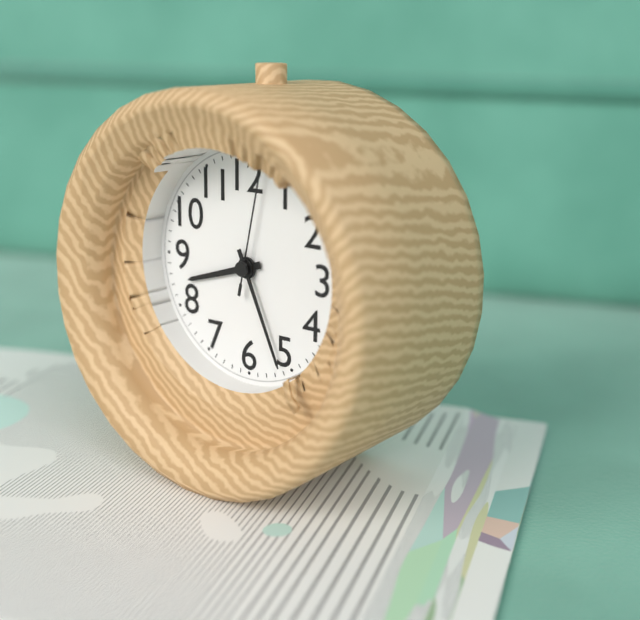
8:26:02
